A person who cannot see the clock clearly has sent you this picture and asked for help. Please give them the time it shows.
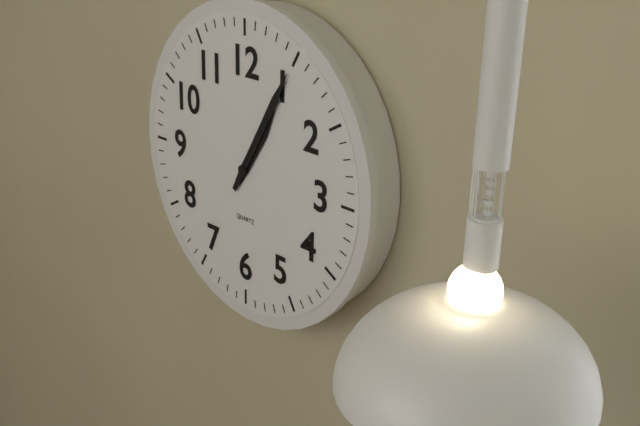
1:05
